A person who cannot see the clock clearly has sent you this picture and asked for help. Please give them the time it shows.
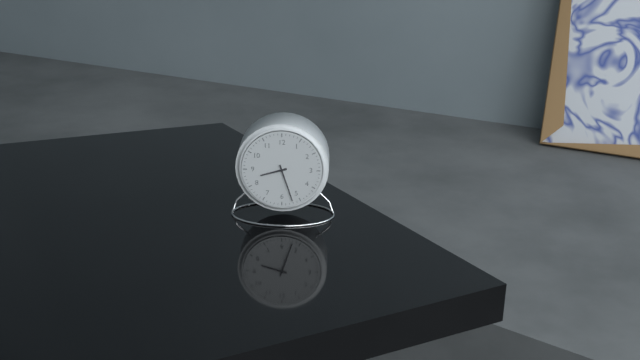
8:27
